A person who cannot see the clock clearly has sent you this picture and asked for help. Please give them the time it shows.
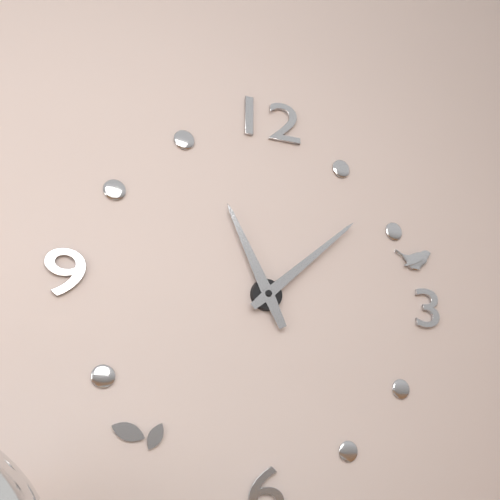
11:08
